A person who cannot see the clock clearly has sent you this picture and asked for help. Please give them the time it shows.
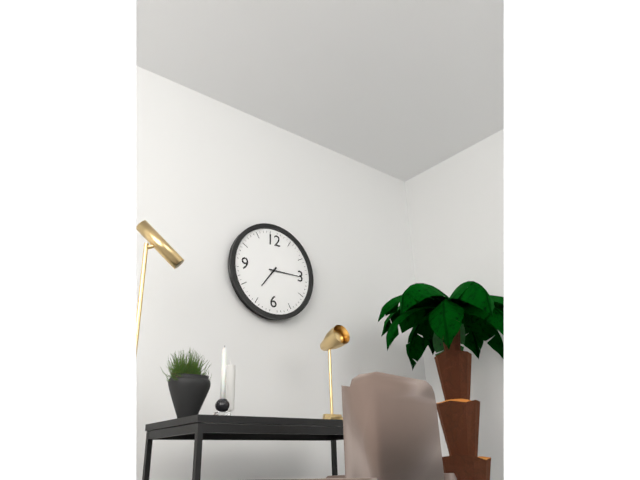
7:15
